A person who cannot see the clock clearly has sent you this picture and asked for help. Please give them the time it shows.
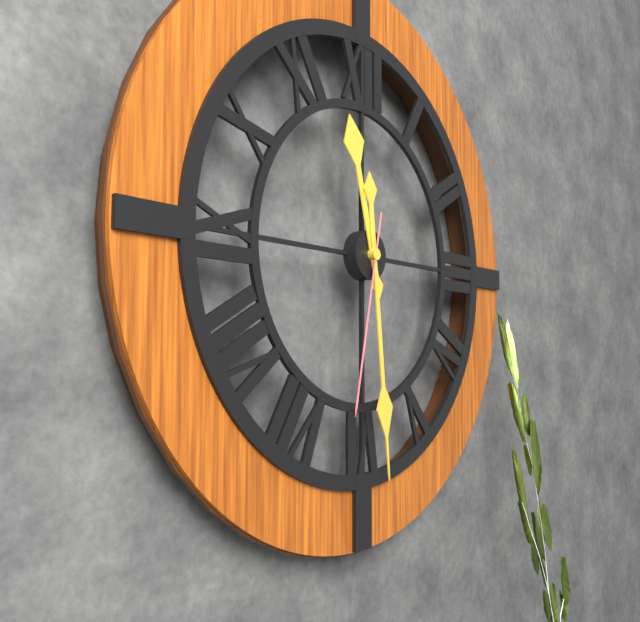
11:29:32
